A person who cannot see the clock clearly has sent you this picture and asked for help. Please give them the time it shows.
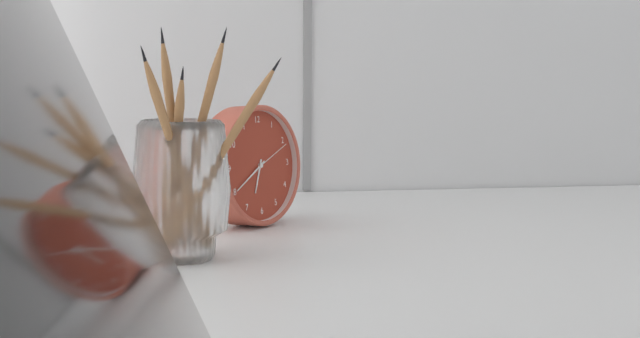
6:40
